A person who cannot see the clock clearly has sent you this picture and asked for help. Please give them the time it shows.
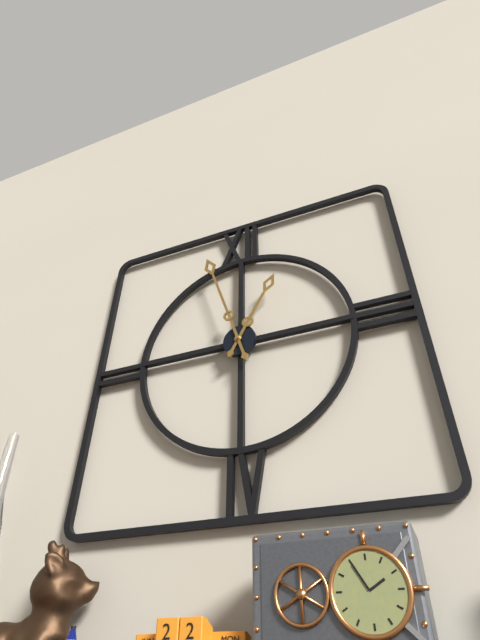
12:57
